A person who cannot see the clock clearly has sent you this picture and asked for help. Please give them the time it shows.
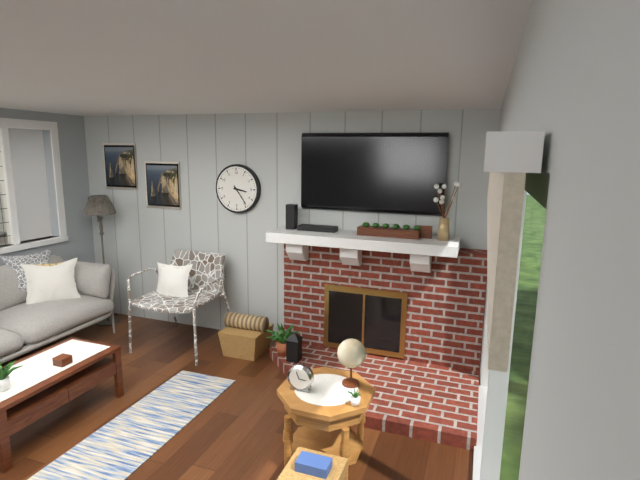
3:24
